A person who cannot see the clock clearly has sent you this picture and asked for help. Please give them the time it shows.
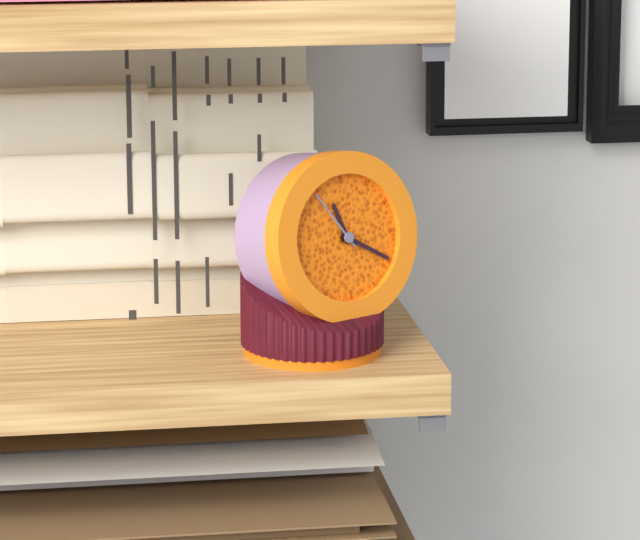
11:20:54
